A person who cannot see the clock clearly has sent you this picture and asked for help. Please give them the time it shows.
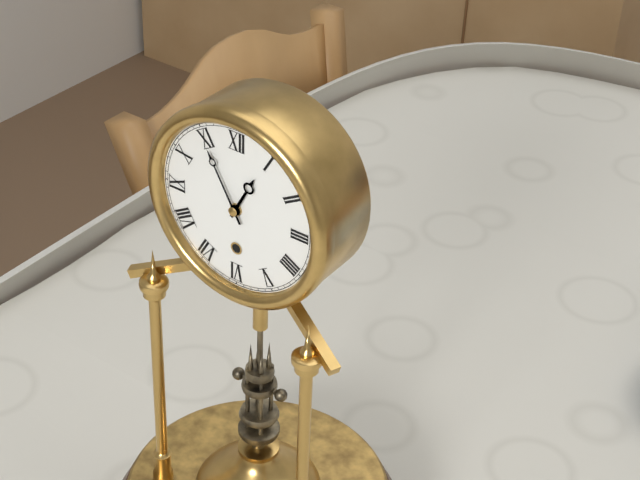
12:55
